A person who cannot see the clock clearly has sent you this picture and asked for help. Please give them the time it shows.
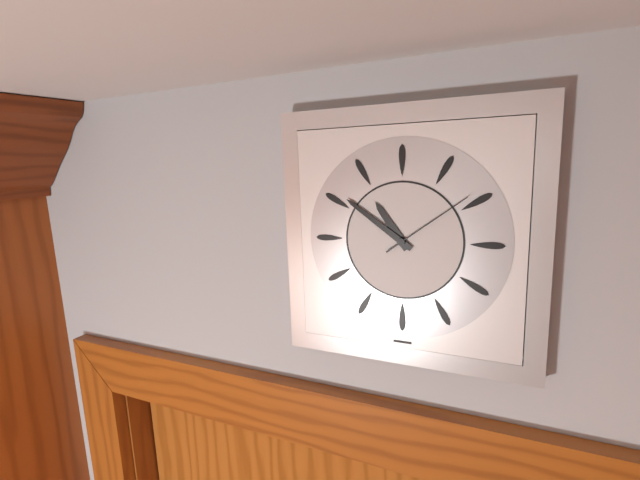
10:51:09
